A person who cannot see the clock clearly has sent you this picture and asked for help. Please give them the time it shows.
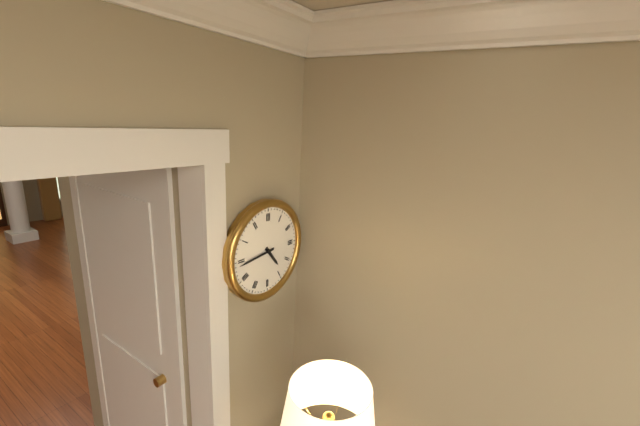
4:44
